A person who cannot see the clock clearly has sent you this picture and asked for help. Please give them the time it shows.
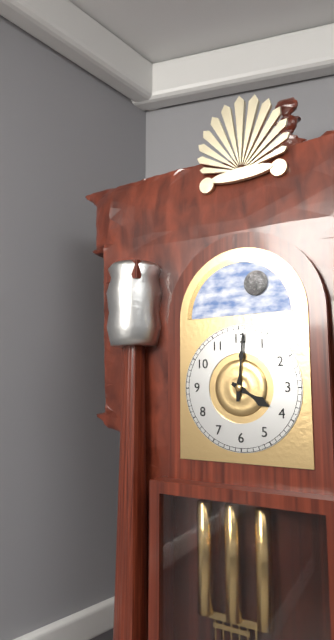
4:01
